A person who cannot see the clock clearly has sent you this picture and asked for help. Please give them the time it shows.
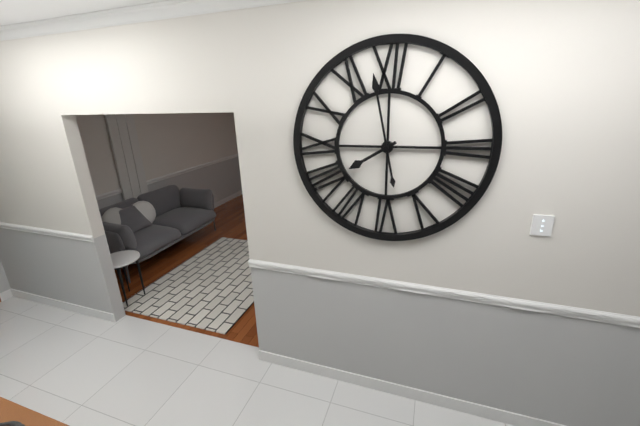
7:58
